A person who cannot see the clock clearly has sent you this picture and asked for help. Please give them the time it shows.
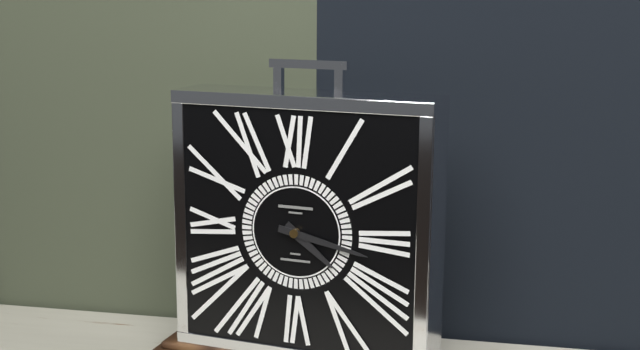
4:17
